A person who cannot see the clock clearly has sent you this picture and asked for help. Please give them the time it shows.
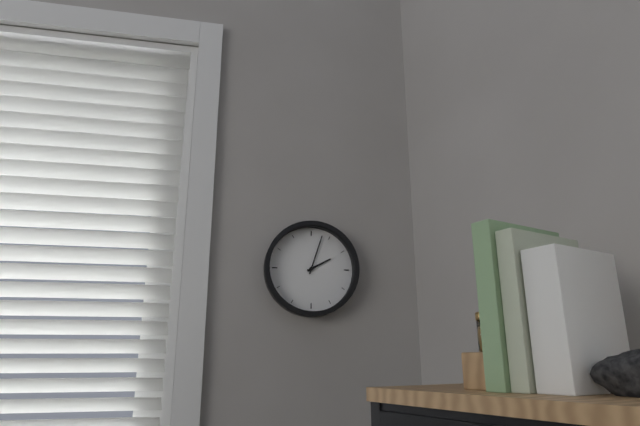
2:03
